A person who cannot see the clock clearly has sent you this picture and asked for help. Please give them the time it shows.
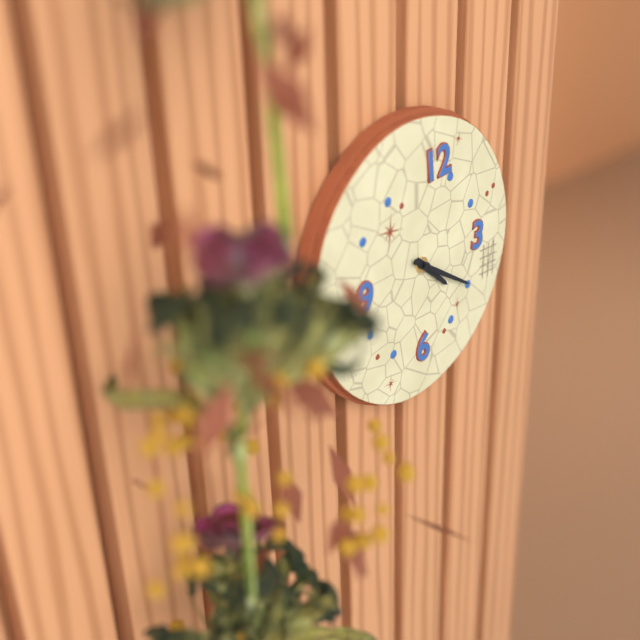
4:20
